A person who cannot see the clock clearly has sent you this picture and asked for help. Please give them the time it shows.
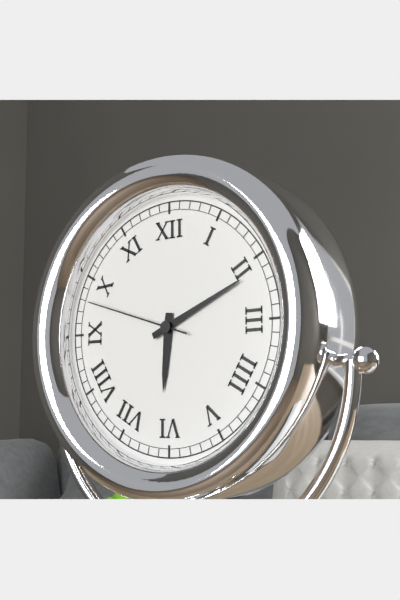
6:11:48
